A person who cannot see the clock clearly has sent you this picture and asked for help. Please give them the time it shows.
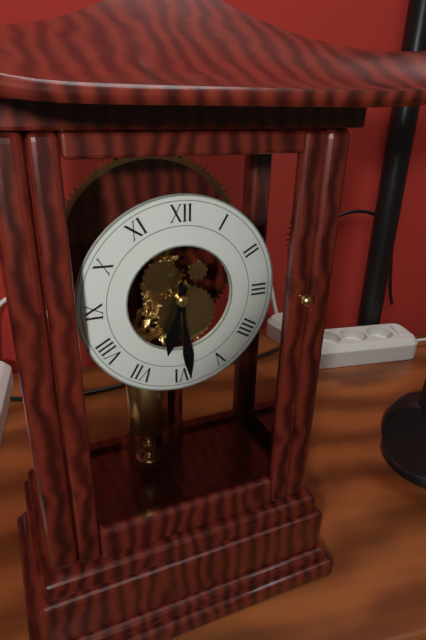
6:29
